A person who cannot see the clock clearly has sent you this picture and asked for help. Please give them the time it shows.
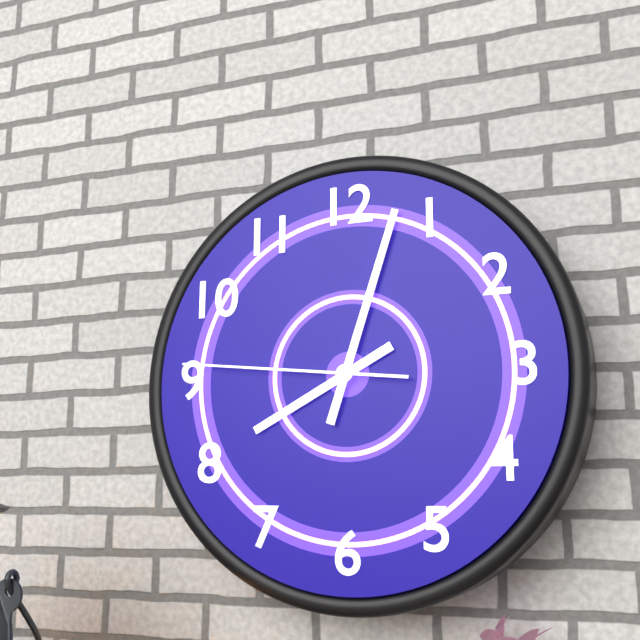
8:03:46
